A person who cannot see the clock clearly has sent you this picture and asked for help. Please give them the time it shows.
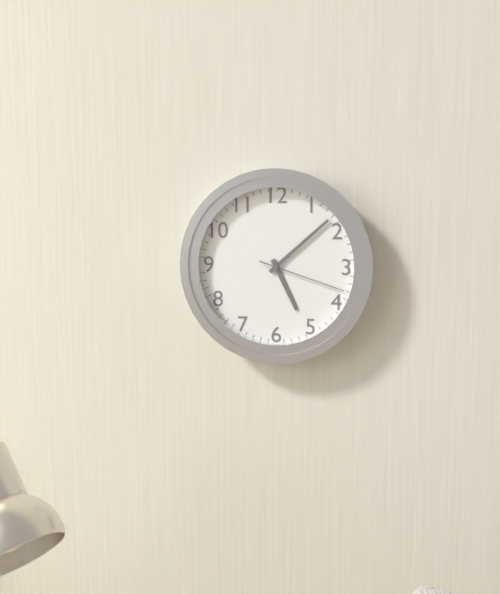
5:08:18
